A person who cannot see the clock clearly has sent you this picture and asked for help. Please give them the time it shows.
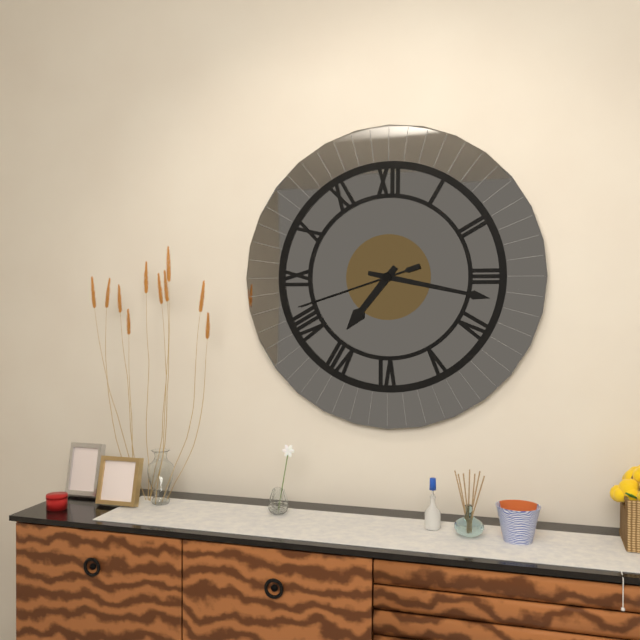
7:17:42
